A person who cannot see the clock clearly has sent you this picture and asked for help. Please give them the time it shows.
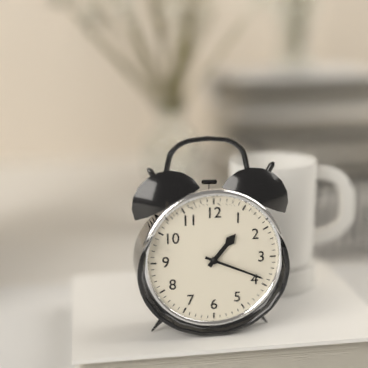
1:19
